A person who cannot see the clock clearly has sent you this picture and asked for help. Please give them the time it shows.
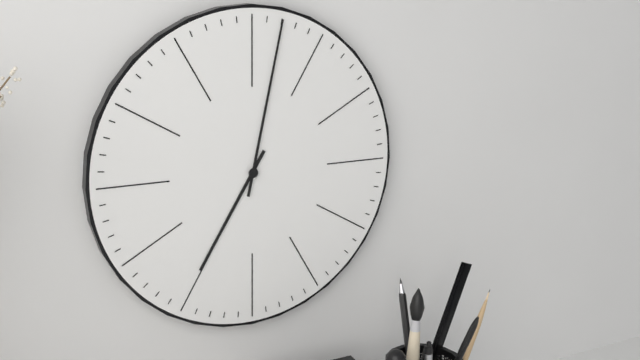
7:02
